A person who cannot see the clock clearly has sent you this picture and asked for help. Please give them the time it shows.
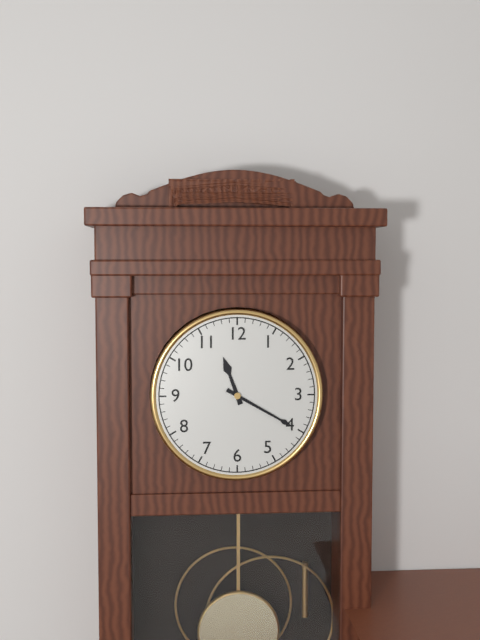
11:20
